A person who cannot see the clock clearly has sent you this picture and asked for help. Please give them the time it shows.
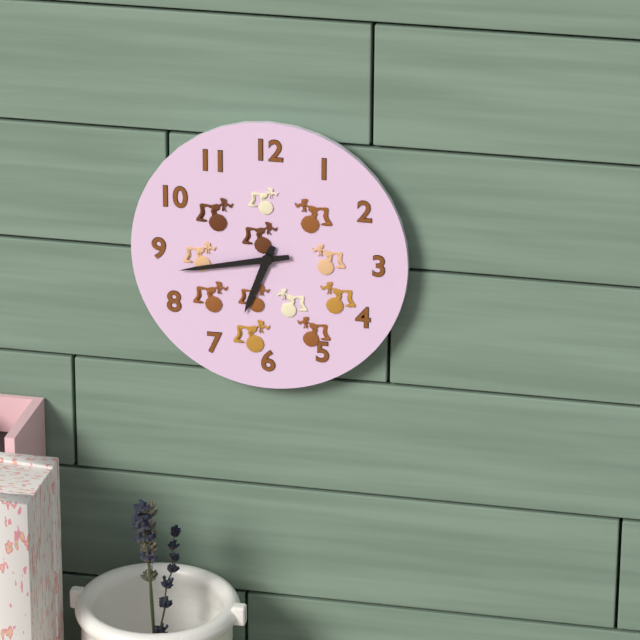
6:43
